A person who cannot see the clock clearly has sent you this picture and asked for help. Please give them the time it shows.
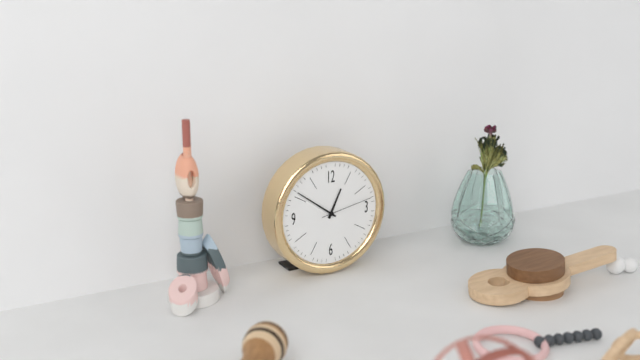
12:51:13
